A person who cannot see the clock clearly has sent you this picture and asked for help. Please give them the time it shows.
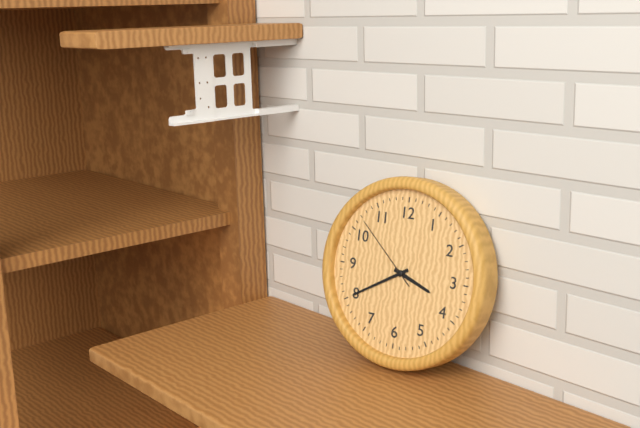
3:40:52
